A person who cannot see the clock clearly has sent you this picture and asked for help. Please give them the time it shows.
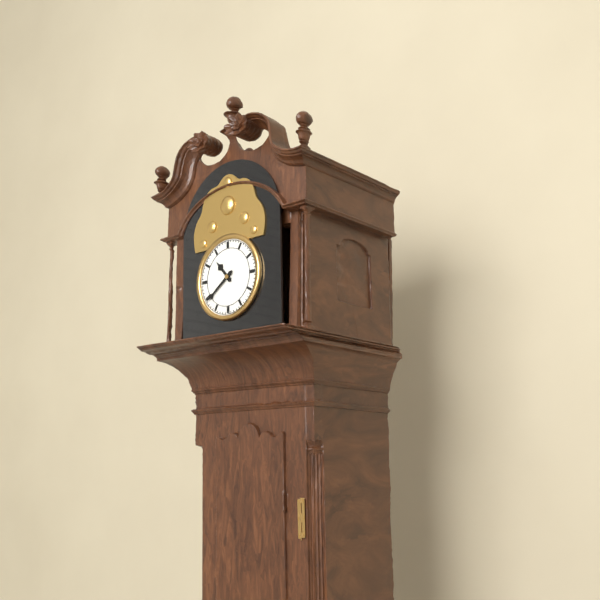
10:39
